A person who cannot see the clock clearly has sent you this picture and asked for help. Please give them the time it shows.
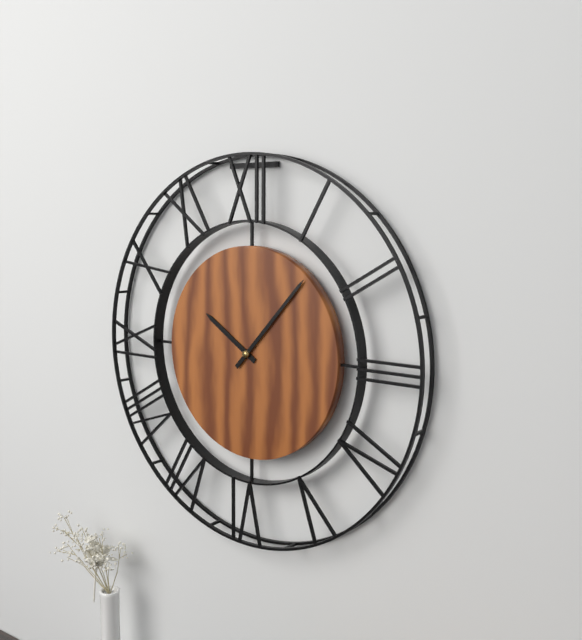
10:07
